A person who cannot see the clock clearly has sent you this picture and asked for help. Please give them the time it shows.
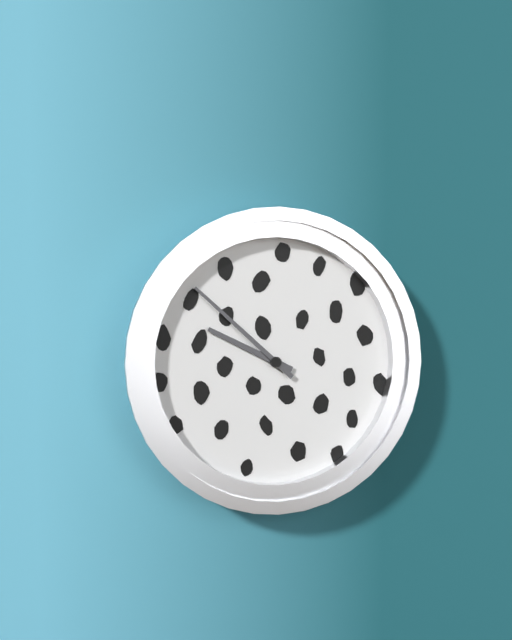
9:52
